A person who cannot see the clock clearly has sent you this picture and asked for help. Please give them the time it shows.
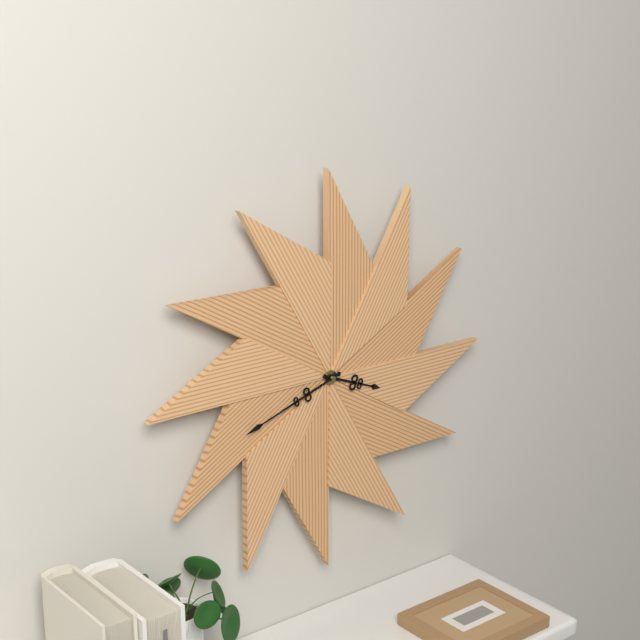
3:42
